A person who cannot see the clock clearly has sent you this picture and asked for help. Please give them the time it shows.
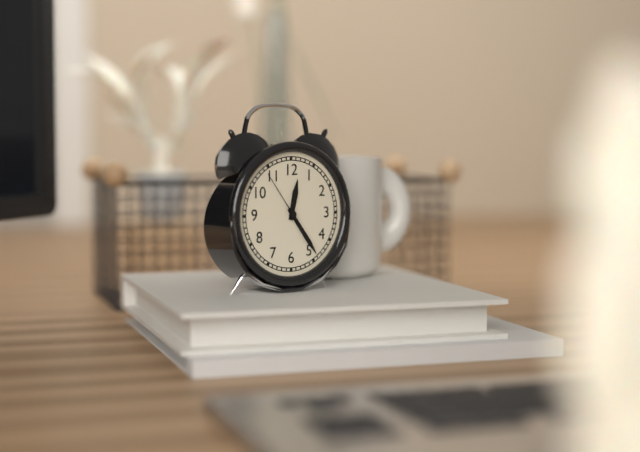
12:24:54
